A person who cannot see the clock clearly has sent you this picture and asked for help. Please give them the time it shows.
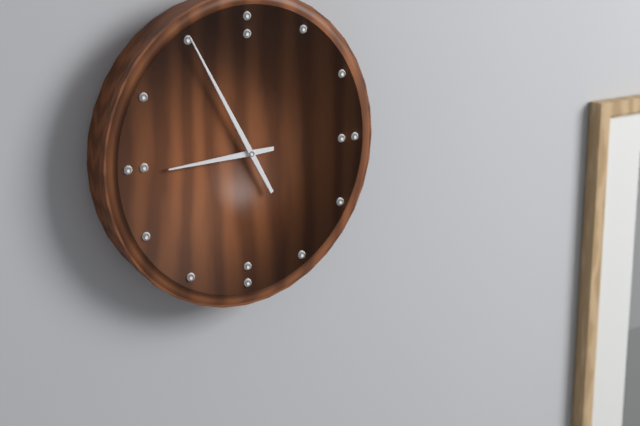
8:55
